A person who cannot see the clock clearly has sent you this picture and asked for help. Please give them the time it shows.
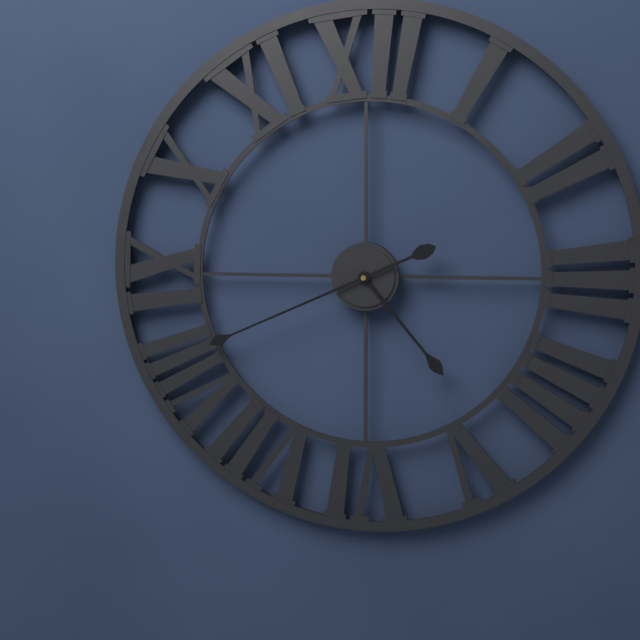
4:41
